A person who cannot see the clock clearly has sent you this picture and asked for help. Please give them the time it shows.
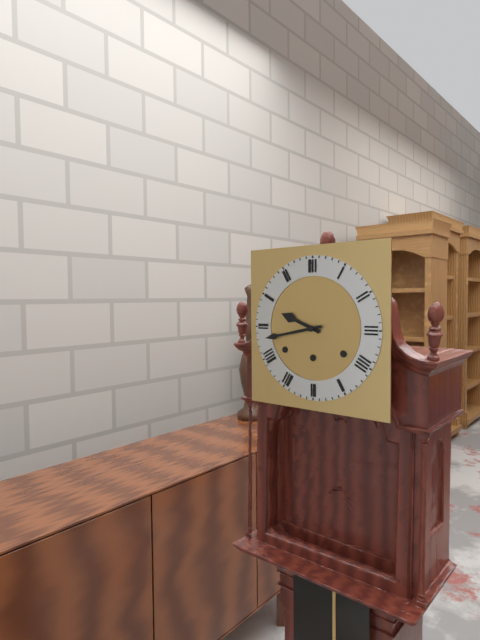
9:43
